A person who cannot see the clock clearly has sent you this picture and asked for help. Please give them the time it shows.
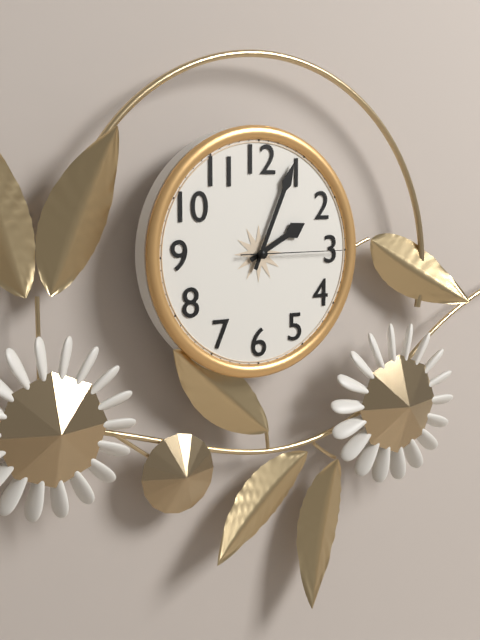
2:04:15
